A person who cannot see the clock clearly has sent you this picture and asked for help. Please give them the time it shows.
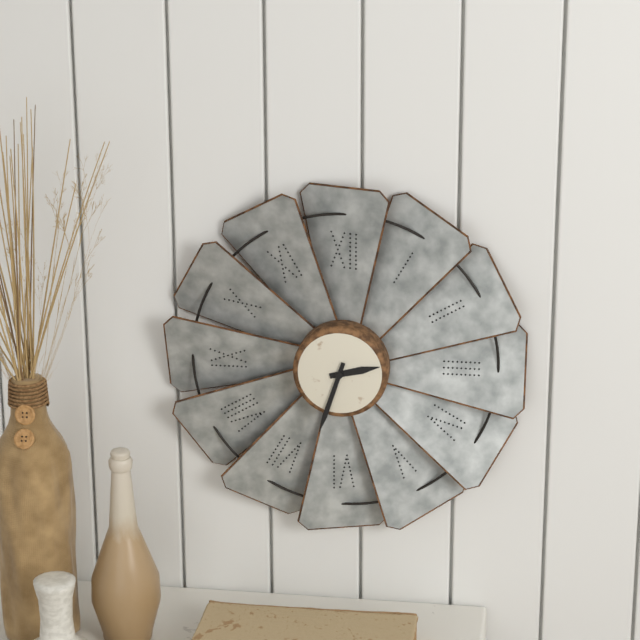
2:33
